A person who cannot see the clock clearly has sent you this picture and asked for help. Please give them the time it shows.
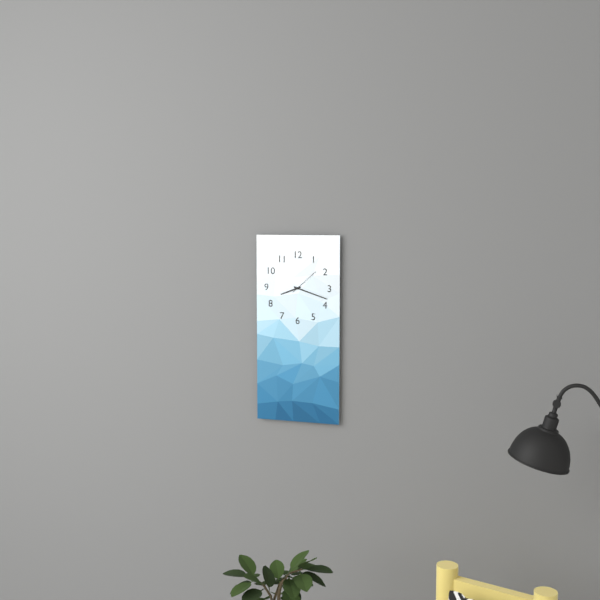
8:18
